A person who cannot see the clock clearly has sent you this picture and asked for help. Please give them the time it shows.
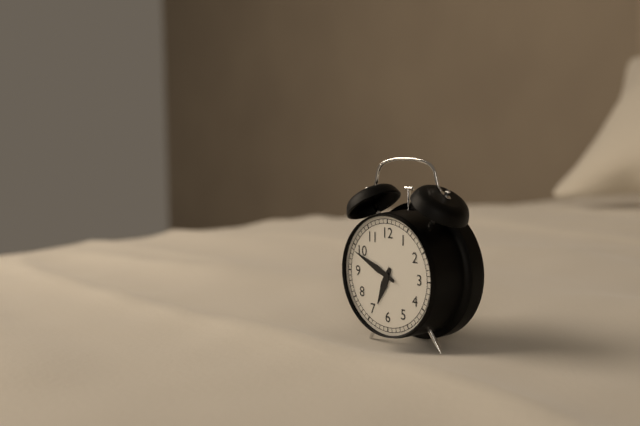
6:49
